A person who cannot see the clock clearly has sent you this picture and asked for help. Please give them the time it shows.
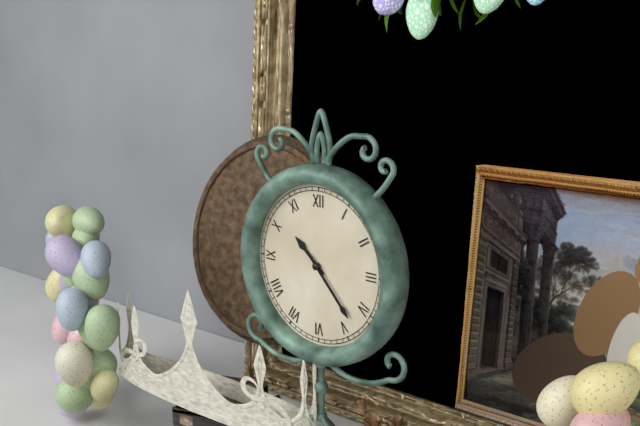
10:23
